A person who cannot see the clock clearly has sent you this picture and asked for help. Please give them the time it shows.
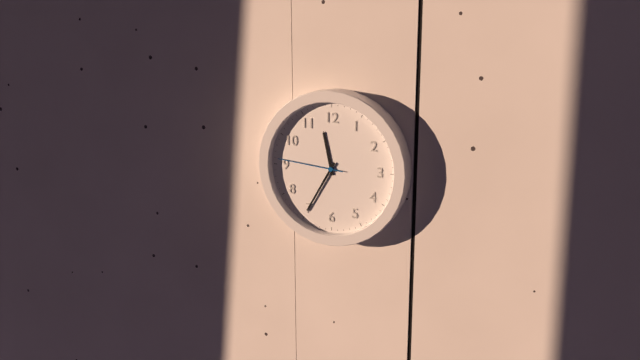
11:35:46
